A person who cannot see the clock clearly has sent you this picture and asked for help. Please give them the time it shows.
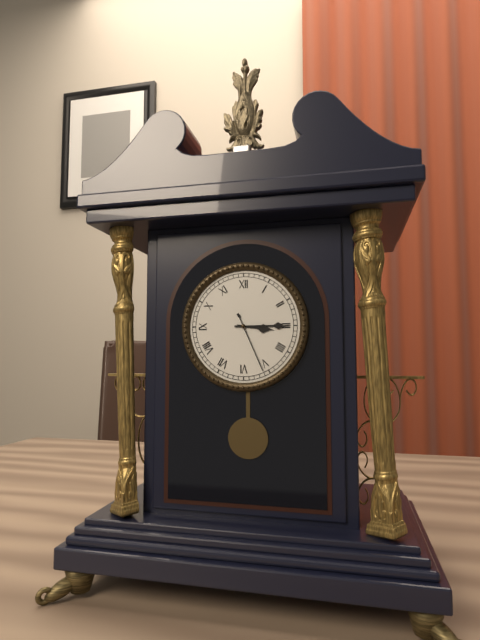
3:15:26
